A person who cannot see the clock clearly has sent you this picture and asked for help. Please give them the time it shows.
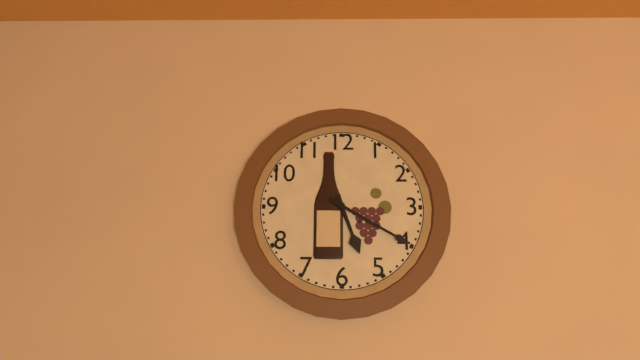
5:20
